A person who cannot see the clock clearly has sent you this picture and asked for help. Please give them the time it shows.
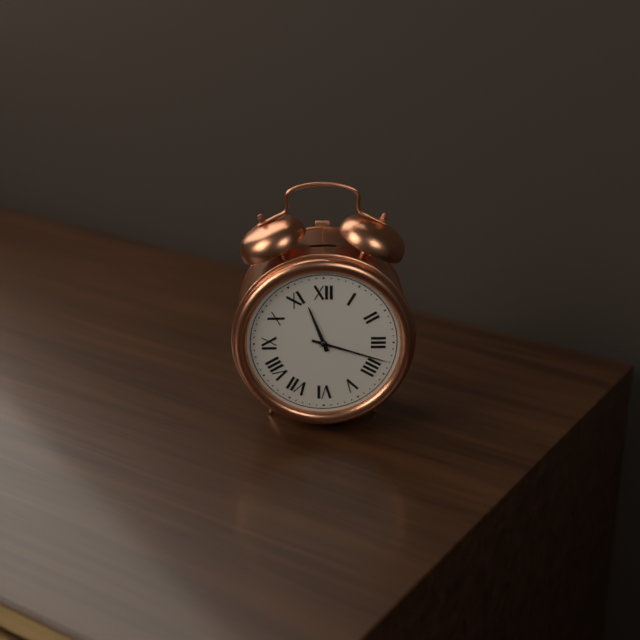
11:18
